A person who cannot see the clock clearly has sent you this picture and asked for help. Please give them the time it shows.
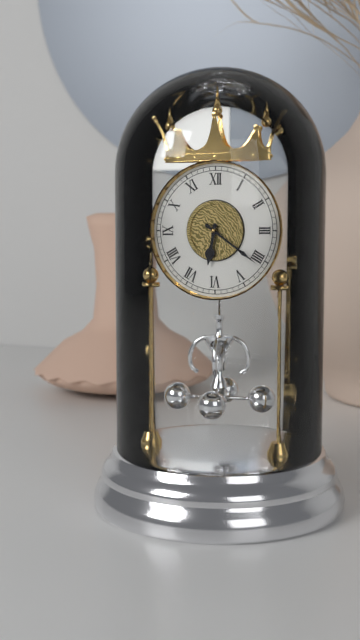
6:21
